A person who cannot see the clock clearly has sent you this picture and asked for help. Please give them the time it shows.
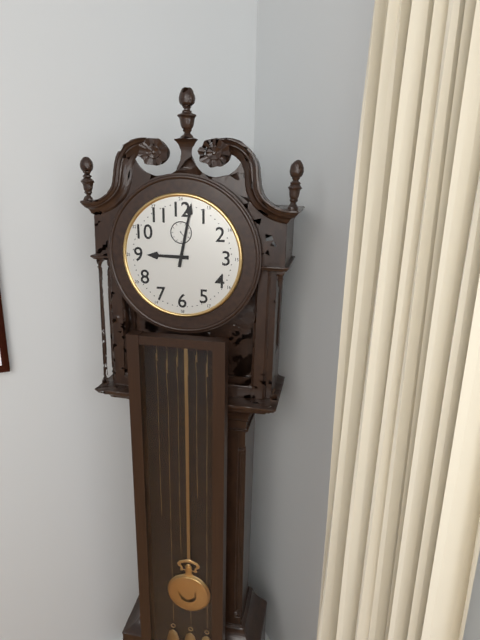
9:02
